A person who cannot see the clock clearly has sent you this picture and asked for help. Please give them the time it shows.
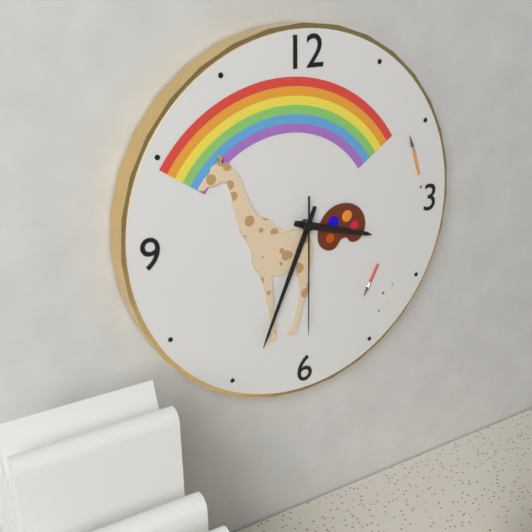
3:34:30
